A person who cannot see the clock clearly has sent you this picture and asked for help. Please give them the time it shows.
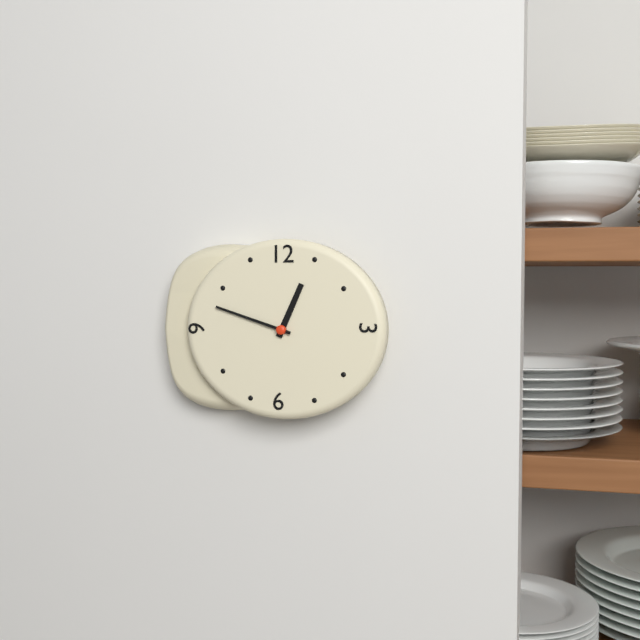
12:48
